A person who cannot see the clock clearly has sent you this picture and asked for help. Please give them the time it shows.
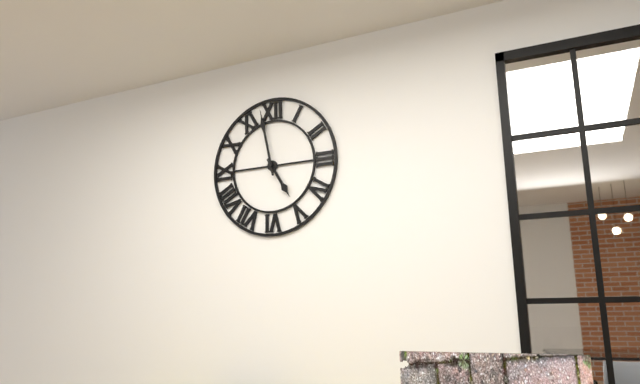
4:58
